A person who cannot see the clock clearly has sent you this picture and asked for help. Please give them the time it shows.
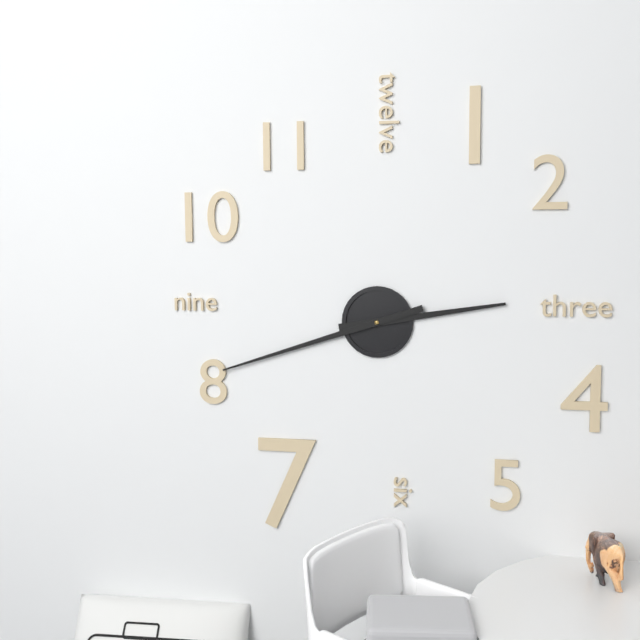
2:42
